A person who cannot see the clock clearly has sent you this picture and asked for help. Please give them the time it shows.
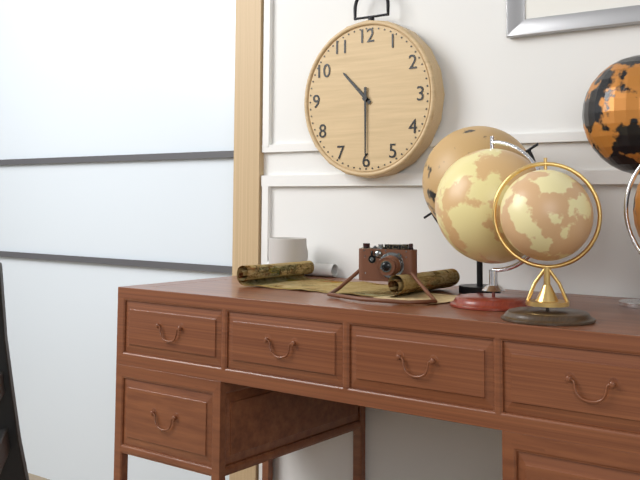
10:30
